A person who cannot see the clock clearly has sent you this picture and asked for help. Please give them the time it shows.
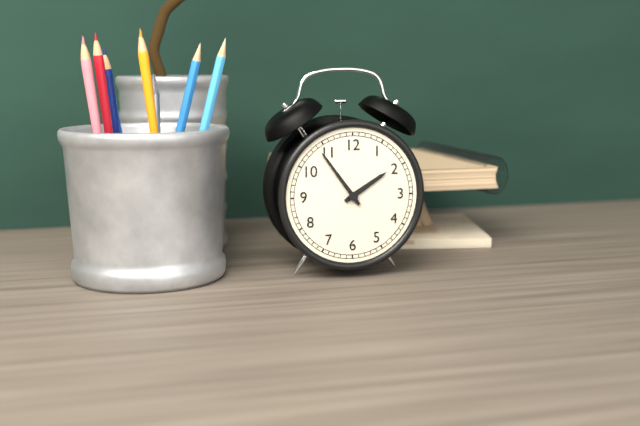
1:54
